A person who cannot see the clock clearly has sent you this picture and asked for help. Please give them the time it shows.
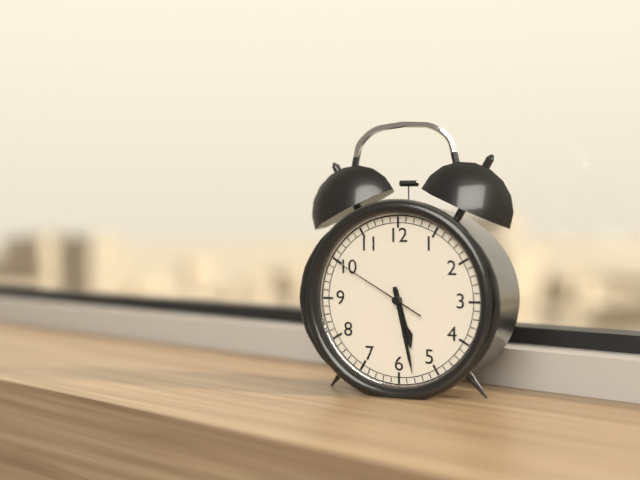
5:28:50
